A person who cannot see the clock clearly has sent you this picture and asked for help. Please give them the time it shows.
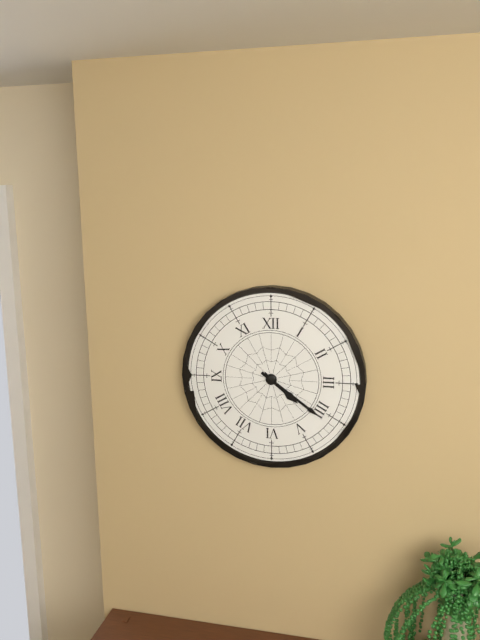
4:21
